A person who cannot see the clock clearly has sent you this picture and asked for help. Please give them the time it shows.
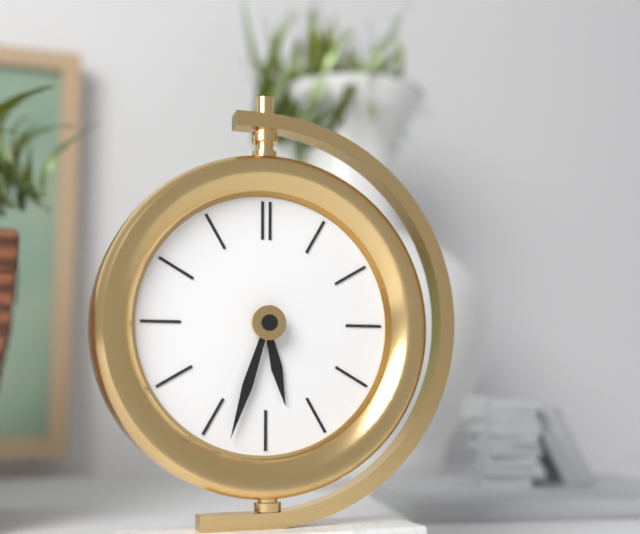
5:33
